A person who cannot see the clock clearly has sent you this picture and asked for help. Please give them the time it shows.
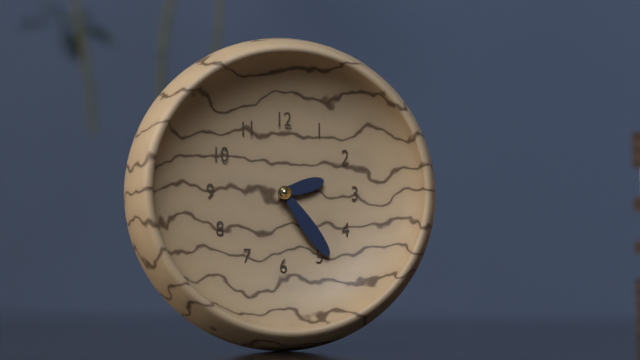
2:24
